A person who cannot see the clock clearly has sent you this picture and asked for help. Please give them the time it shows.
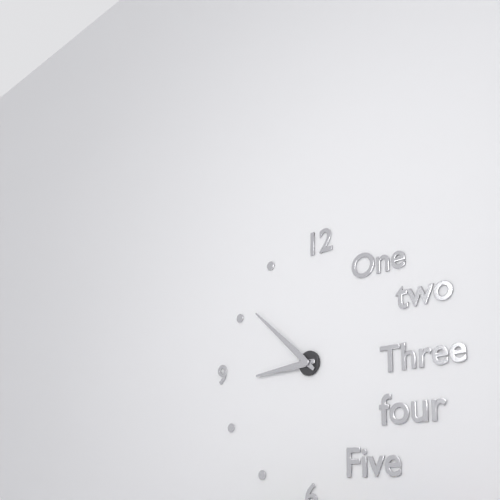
8:52
